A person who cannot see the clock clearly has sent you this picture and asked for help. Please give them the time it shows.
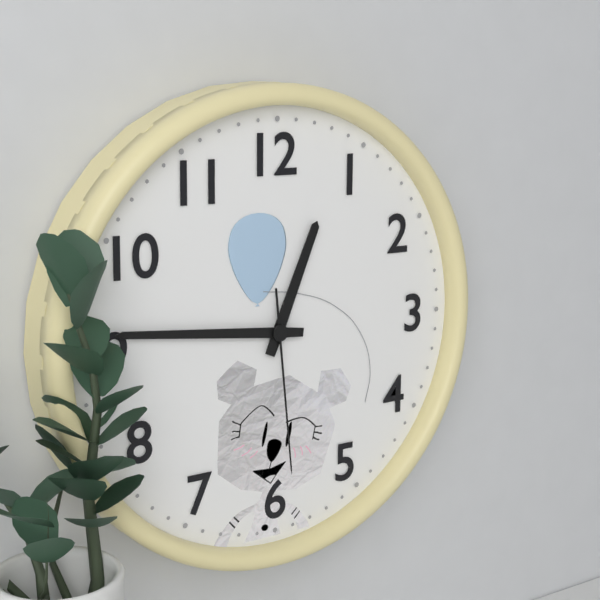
12:46:29
